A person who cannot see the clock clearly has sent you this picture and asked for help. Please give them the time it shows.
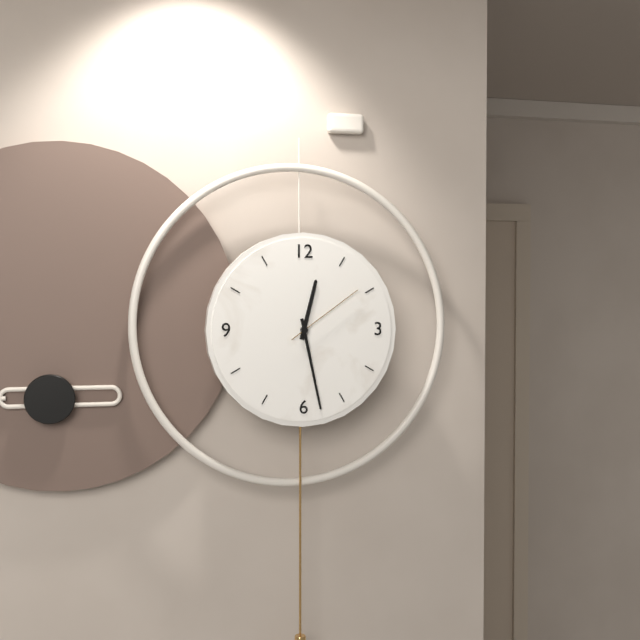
12:28:09
